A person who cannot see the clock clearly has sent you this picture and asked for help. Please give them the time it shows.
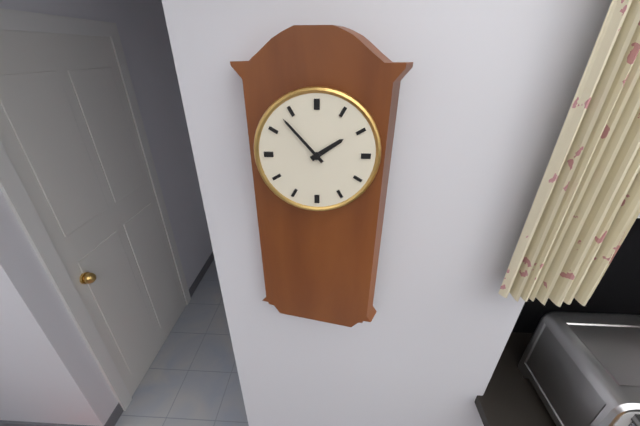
1:53
